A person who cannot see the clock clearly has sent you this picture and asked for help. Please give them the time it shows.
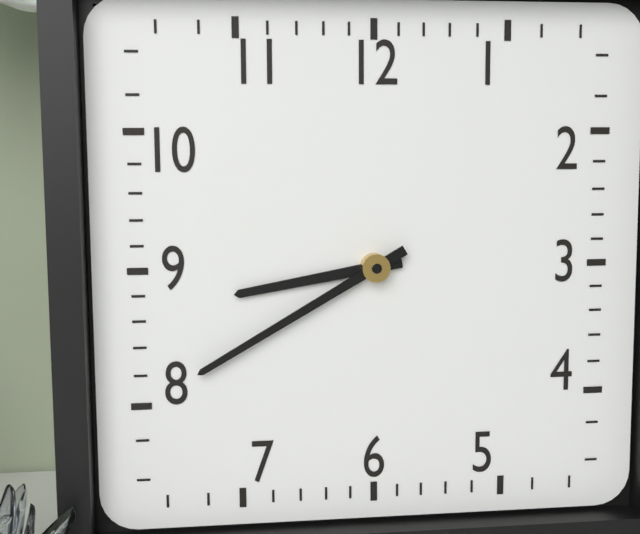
8:40
